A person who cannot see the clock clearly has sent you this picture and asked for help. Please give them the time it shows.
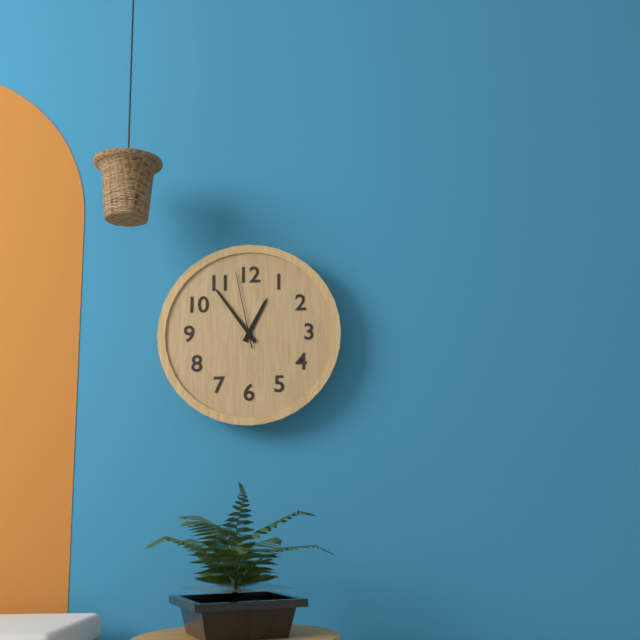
12:54:58
